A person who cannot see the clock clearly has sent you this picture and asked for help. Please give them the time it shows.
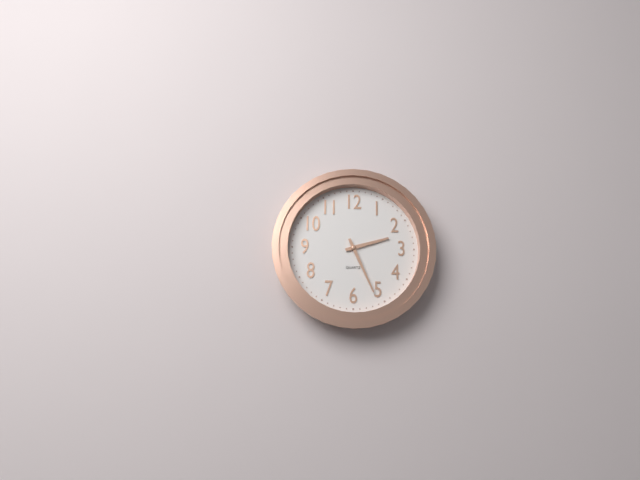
2:26
